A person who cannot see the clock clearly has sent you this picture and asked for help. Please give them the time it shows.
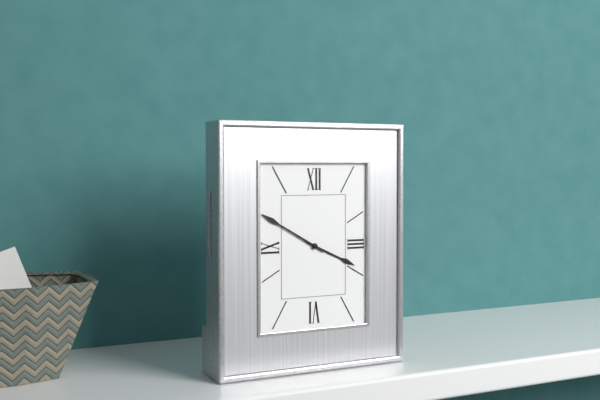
3:50
